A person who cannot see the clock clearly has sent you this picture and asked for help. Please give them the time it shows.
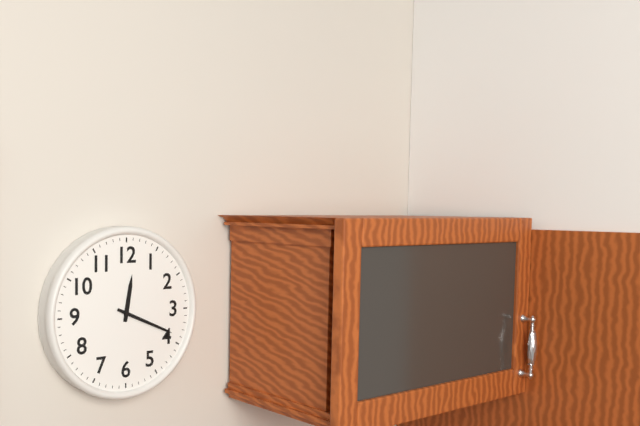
12:19
